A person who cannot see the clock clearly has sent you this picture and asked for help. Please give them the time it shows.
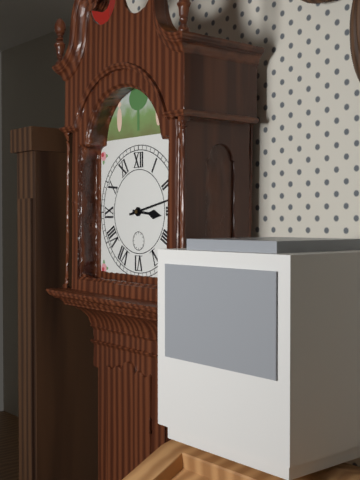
3:13
